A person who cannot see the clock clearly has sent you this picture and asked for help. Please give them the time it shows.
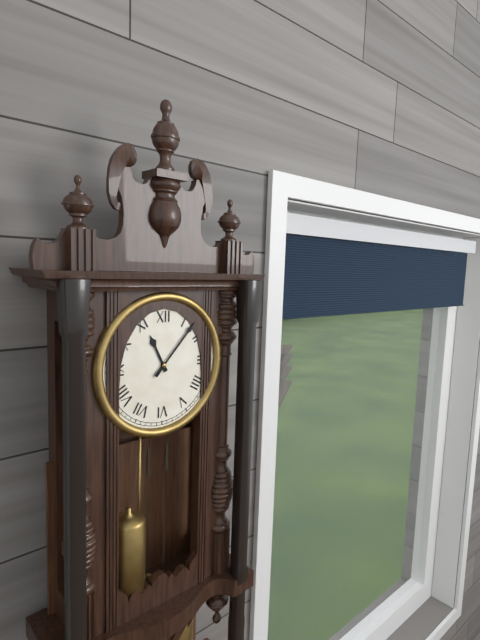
11:07
